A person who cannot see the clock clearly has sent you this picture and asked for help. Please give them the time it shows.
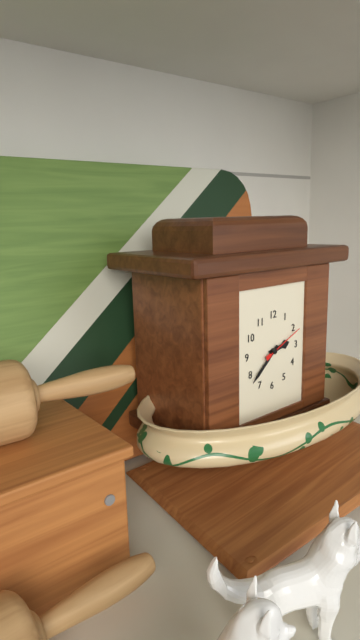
2:38:11
